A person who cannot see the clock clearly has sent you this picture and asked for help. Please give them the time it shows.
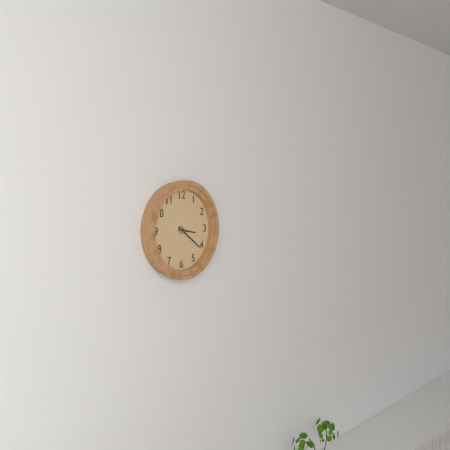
3:21
